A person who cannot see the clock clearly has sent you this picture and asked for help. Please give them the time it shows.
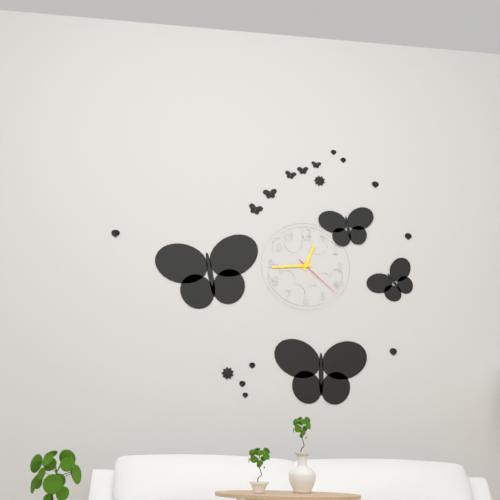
12:44
